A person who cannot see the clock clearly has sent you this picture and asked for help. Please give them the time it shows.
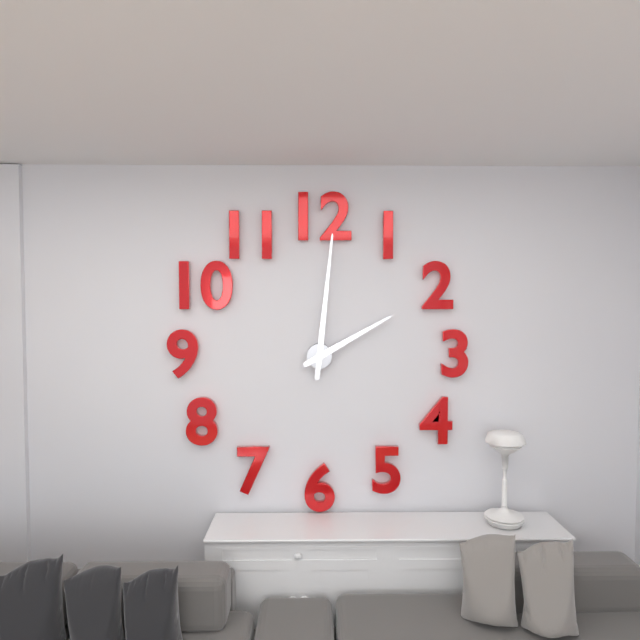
2:01
